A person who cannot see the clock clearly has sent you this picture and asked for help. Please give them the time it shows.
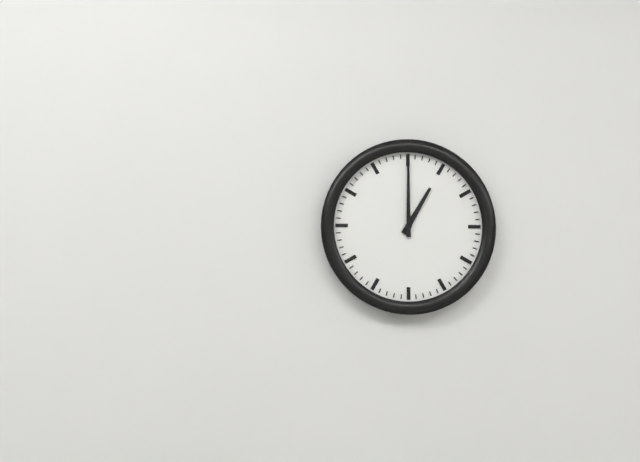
1:00
